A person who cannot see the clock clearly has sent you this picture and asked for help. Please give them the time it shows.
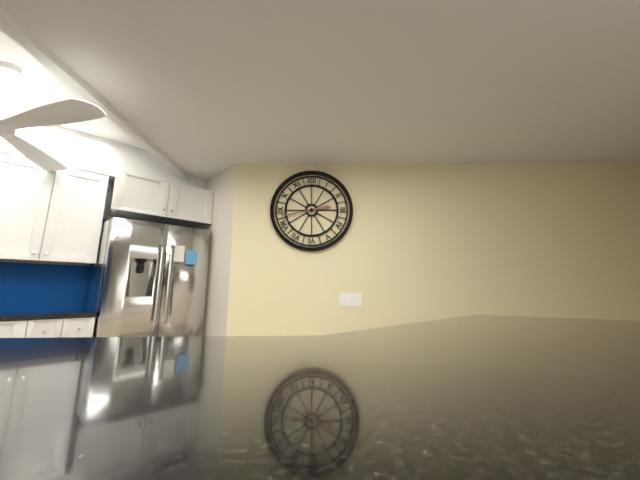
2:43
